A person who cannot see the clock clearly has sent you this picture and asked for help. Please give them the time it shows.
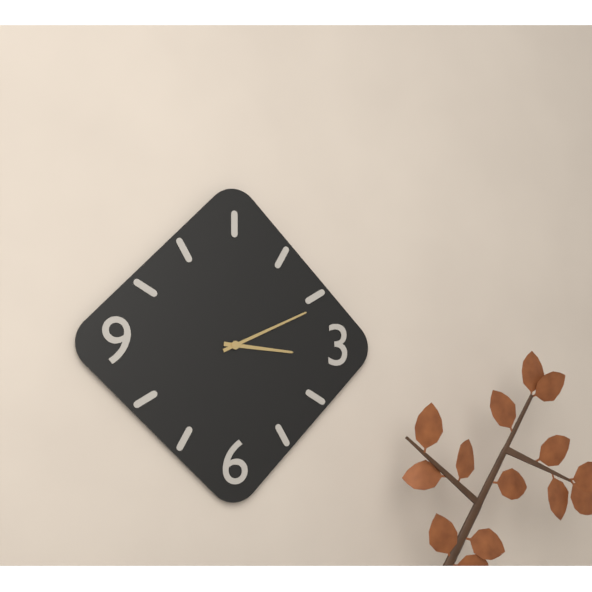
3:11
